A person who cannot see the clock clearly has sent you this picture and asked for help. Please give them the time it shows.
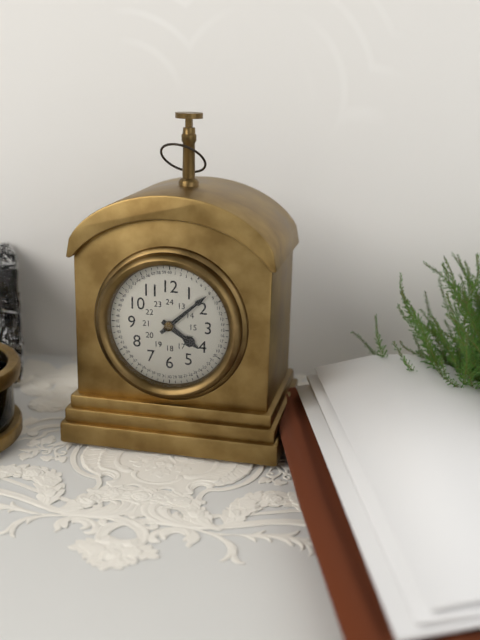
4:08
